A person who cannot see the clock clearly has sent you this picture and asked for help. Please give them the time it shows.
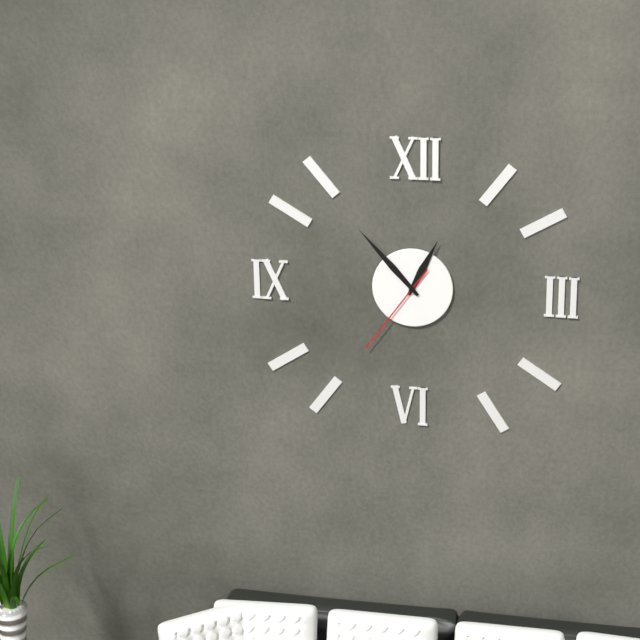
12:53:36
